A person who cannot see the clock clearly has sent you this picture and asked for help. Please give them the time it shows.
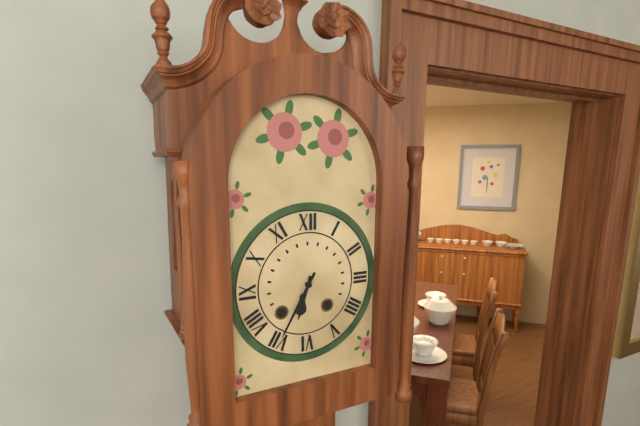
6:35
